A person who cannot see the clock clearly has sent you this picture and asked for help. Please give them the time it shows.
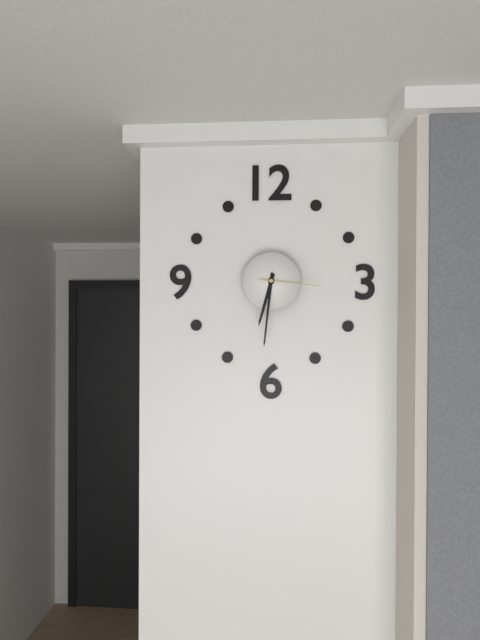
6:31:16
